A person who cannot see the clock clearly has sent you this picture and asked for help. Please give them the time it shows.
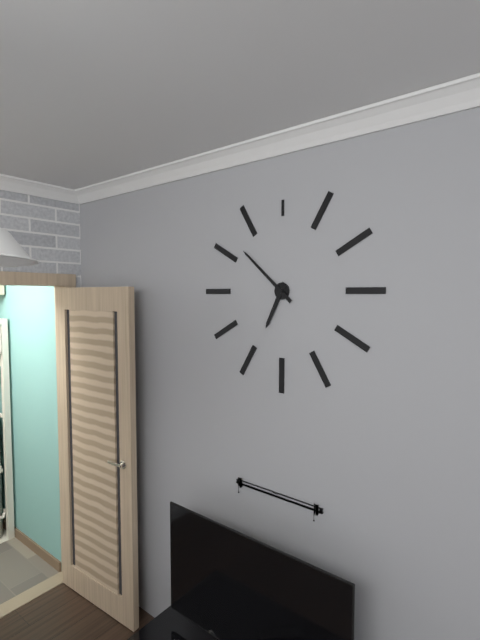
6:52
